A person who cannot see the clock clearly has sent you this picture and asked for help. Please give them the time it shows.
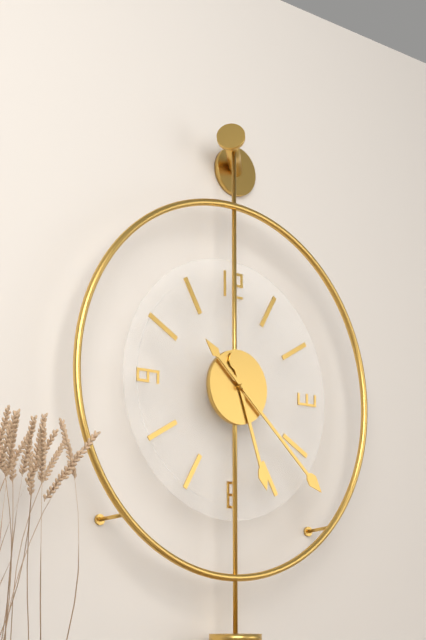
5:22
